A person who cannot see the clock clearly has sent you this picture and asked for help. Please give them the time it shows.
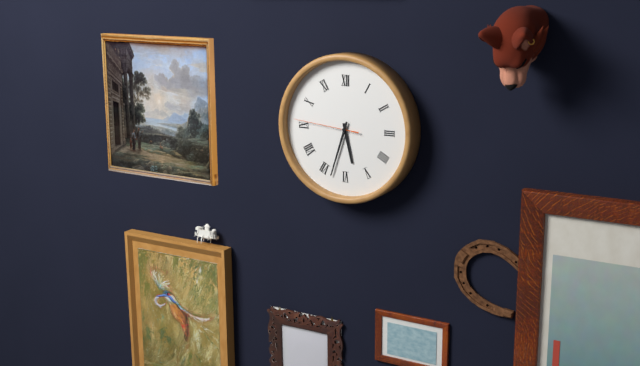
5:33:46
